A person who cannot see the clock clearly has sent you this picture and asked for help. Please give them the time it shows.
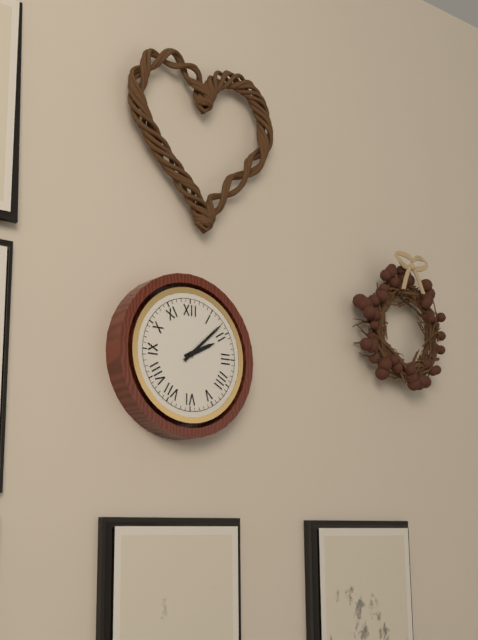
2:08
